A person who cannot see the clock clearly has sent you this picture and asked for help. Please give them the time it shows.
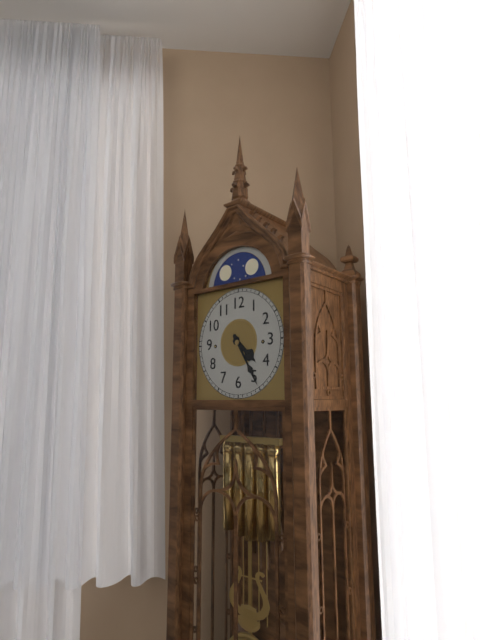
4:25
